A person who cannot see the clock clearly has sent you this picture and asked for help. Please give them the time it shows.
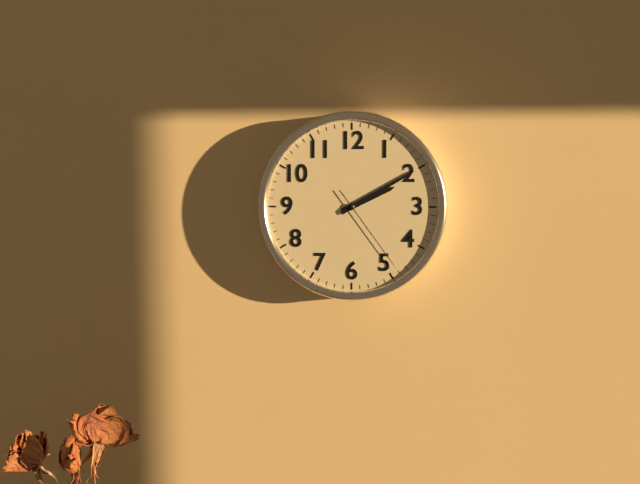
2:10:24
